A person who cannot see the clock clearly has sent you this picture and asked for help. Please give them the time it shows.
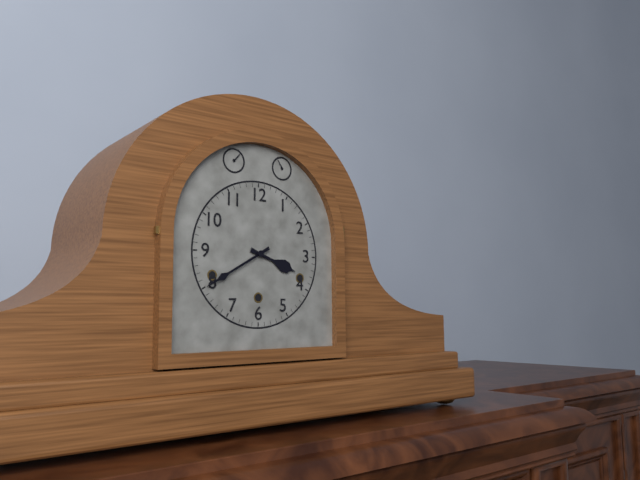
3:40
